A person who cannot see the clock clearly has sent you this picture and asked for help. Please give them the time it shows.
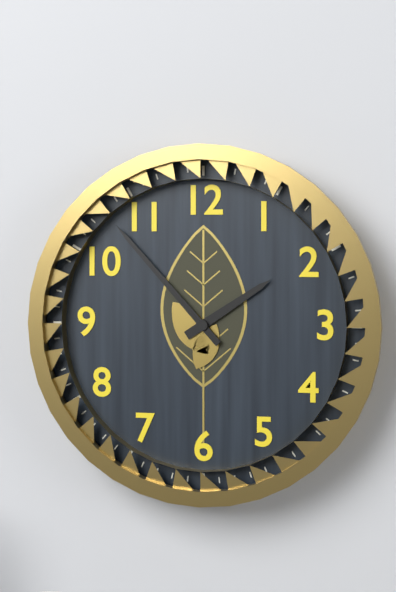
1:53
